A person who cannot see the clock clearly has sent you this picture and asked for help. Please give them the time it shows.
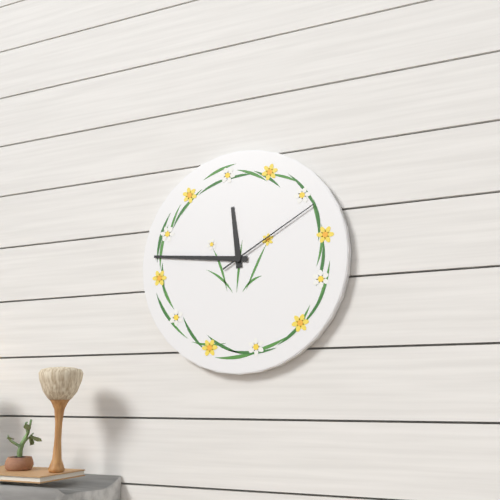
11:46:10
